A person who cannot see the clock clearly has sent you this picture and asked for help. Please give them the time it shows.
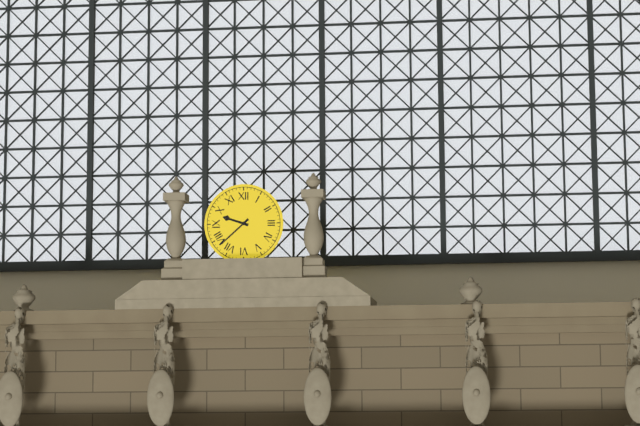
9:38
